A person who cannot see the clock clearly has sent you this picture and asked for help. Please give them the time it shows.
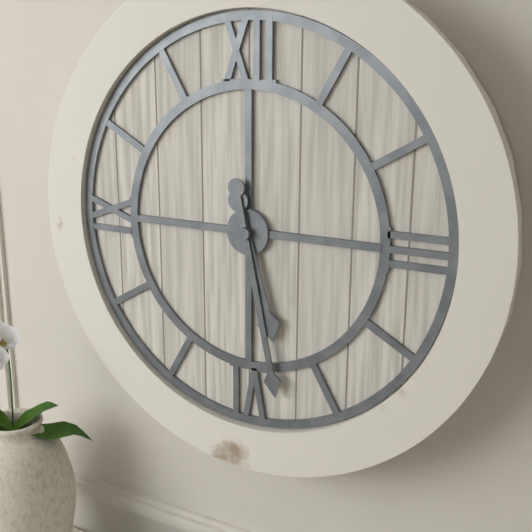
5:28
